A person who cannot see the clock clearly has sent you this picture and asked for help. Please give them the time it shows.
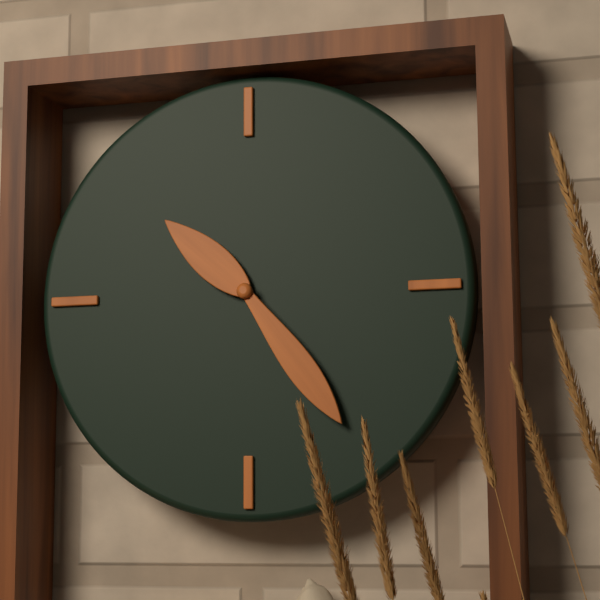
10:24
